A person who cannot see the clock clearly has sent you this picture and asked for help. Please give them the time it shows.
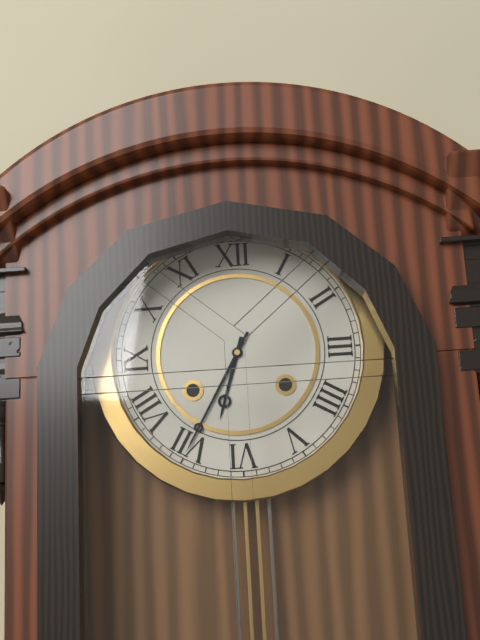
6:35
